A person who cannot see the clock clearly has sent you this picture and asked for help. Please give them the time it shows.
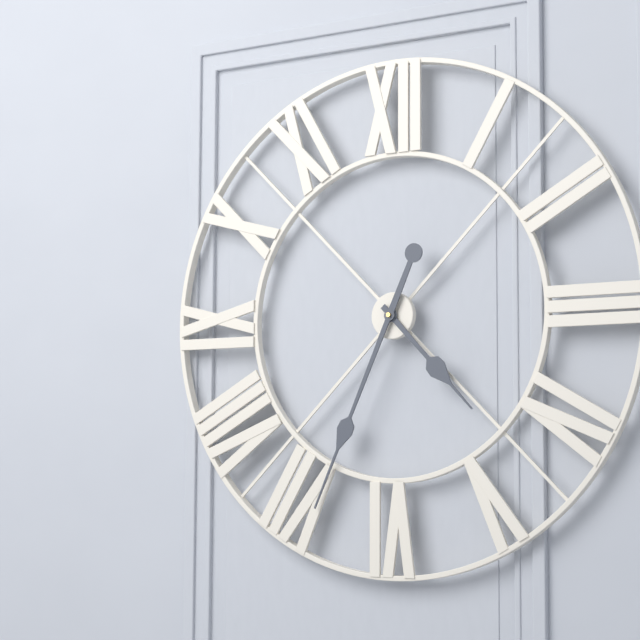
4:34
